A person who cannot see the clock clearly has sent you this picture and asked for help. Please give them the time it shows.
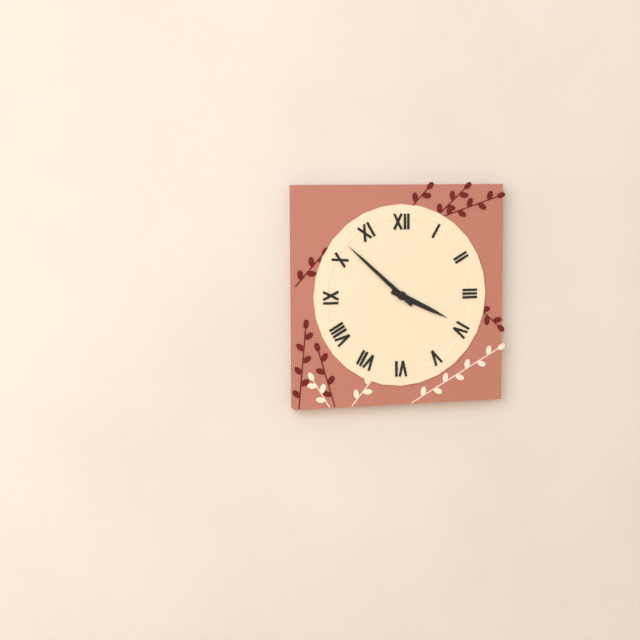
3:52
